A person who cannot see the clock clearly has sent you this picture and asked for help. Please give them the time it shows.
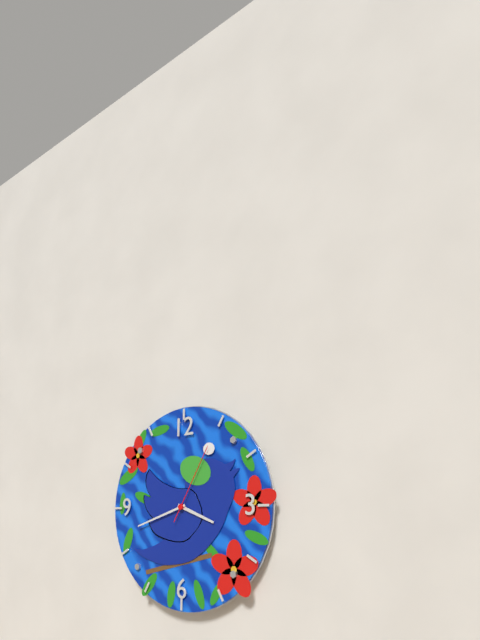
3:42:05
